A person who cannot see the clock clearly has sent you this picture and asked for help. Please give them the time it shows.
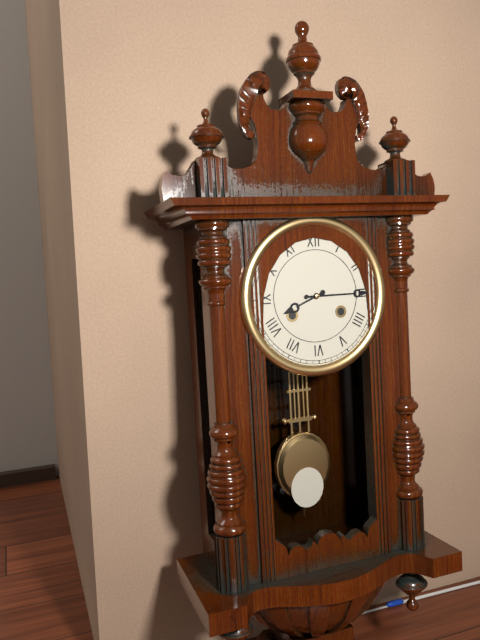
8:15
